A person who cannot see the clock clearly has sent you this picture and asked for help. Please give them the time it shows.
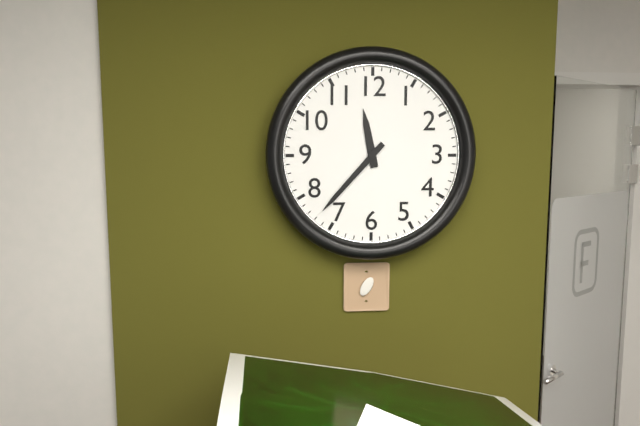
11:37
